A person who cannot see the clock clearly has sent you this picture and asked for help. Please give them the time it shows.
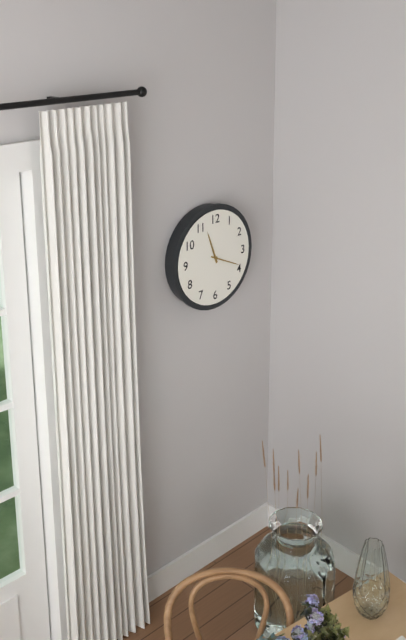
11:19
